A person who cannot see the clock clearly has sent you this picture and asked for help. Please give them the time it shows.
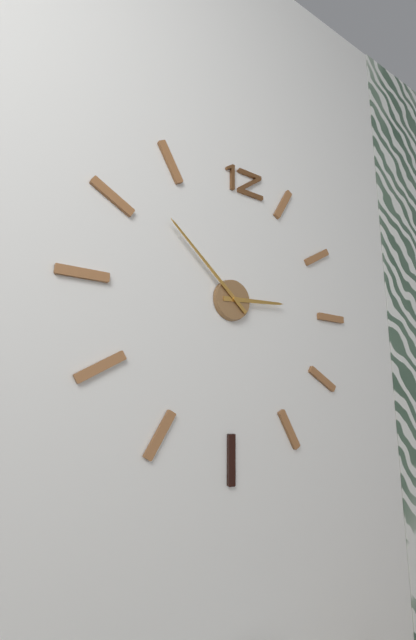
2:52
